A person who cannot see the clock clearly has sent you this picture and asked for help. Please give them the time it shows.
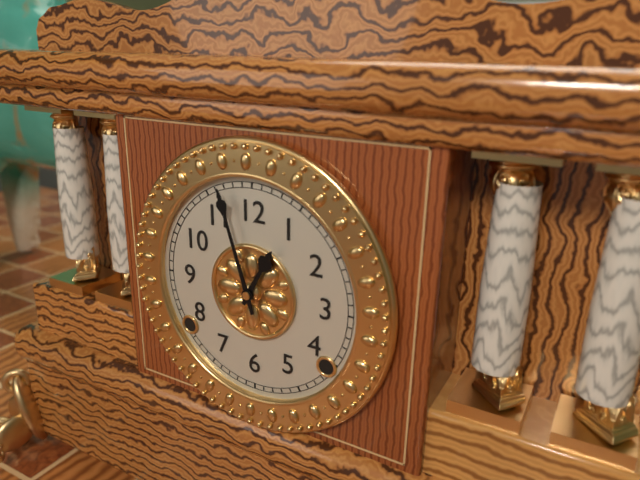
12:57
